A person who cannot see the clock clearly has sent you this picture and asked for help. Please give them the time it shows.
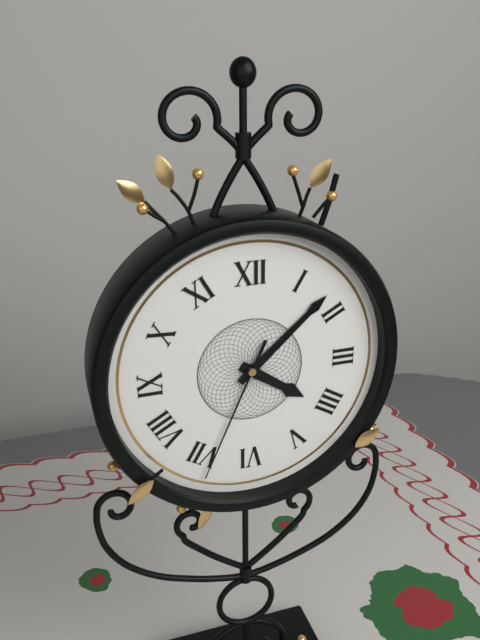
4:08:34
